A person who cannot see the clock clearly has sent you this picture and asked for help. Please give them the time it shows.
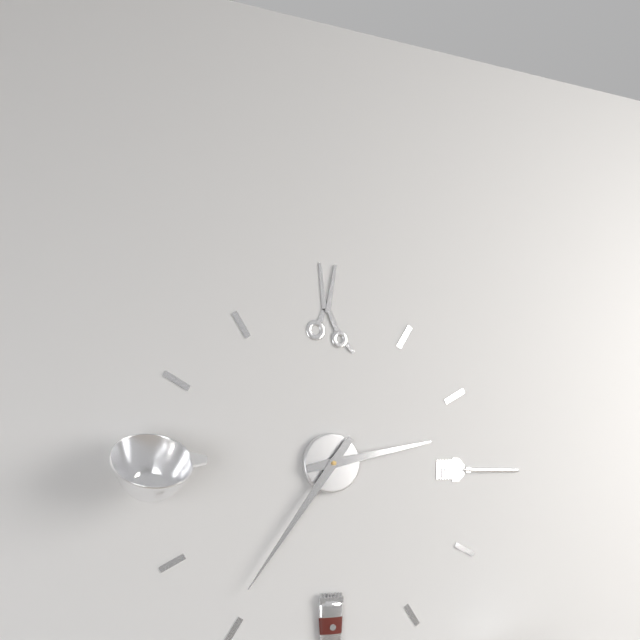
2:36
